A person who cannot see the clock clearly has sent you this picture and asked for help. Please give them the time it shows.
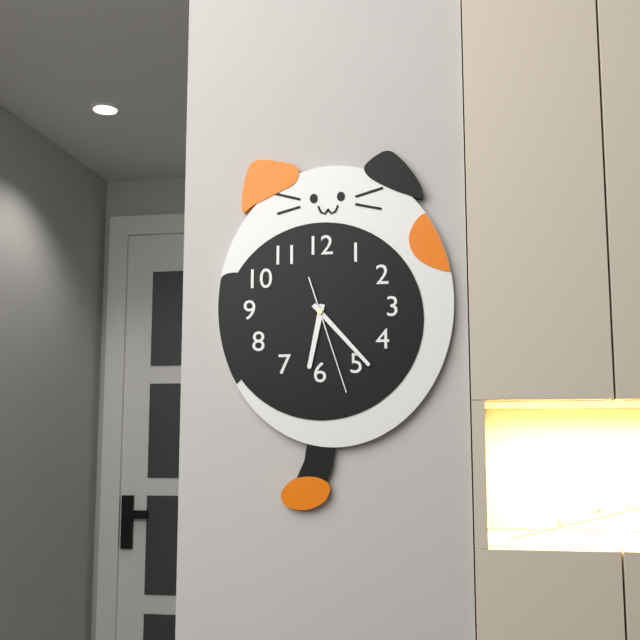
6:23:27
